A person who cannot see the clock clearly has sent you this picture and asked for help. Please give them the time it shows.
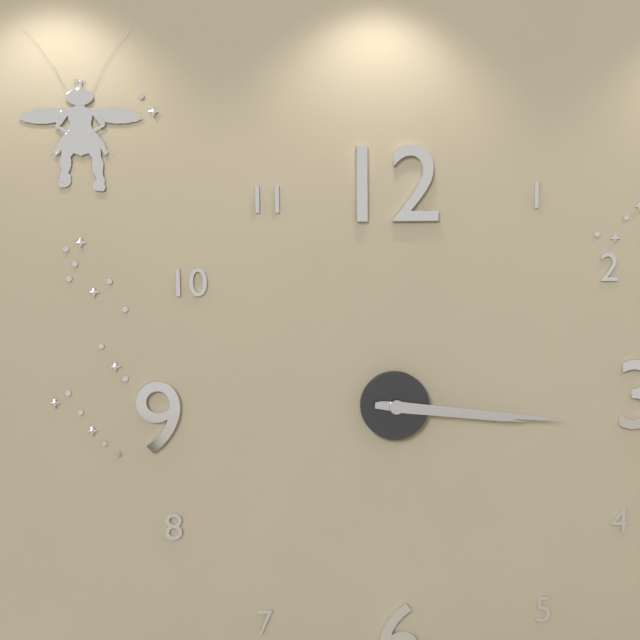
3:16
